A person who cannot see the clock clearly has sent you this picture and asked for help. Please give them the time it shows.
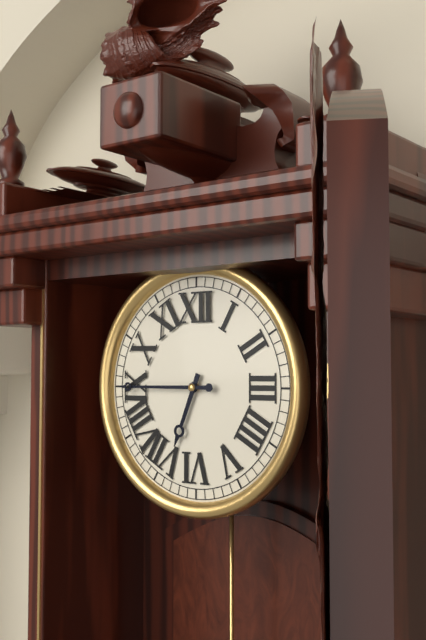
6:45
